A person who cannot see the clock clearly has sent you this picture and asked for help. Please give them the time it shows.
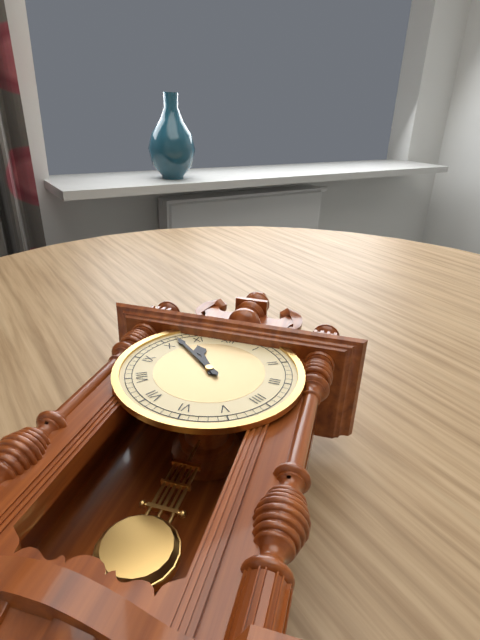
10:52
